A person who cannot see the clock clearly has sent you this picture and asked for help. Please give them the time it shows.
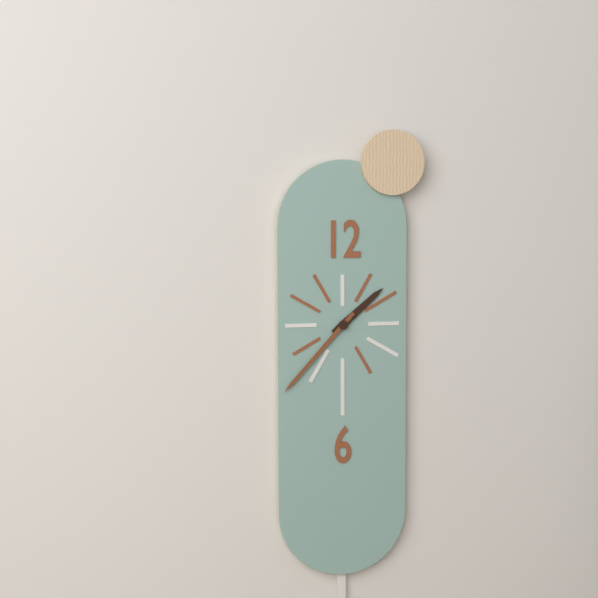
1:37
